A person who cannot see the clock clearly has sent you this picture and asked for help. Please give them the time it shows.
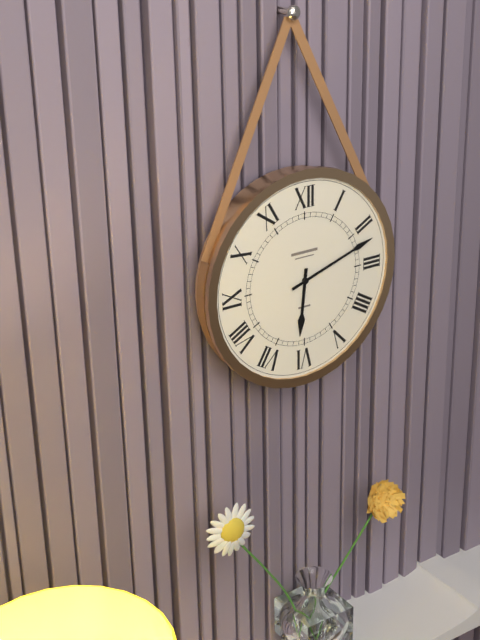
6:12
